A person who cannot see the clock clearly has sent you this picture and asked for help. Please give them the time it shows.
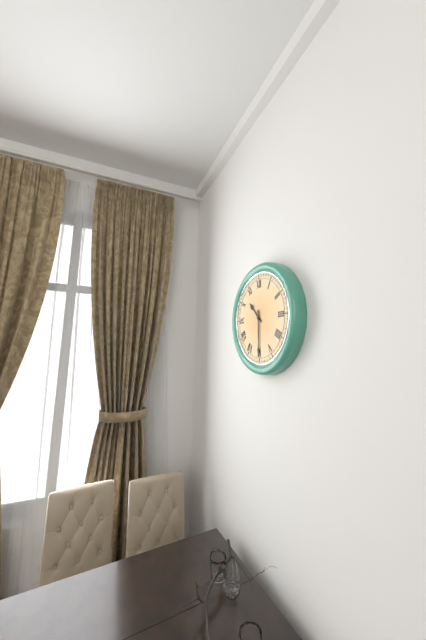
10:30
